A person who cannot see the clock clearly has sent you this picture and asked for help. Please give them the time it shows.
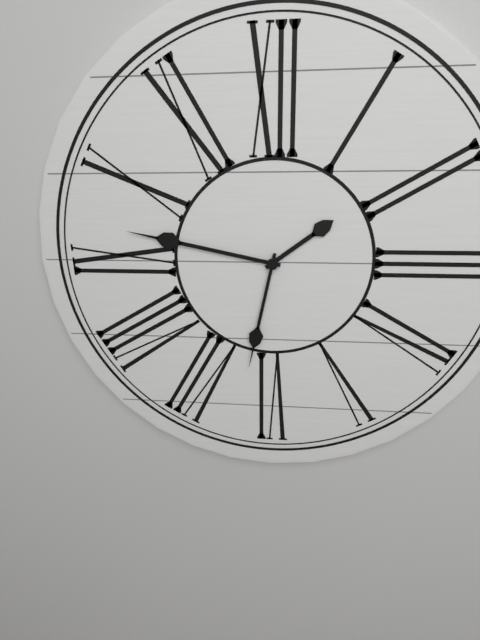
1:47:32
